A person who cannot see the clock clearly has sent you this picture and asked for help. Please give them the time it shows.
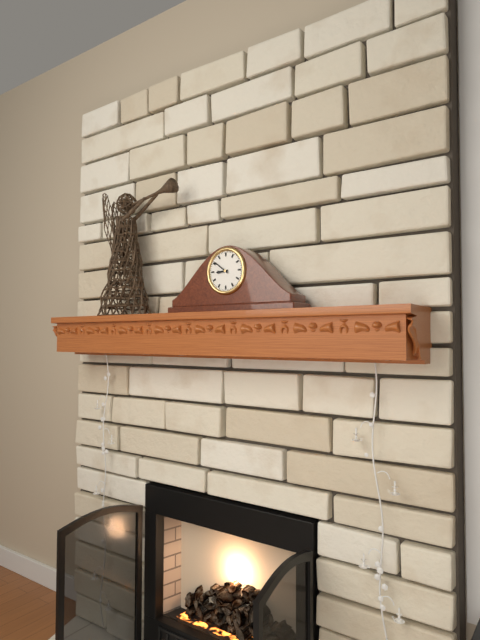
8:51
